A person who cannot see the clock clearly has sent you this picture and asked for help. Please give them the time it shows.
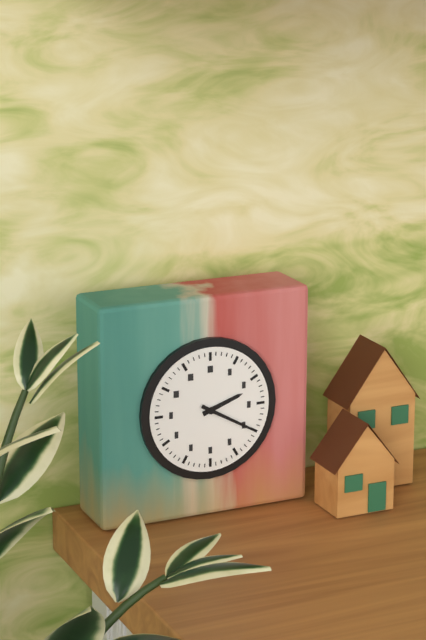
2:20
